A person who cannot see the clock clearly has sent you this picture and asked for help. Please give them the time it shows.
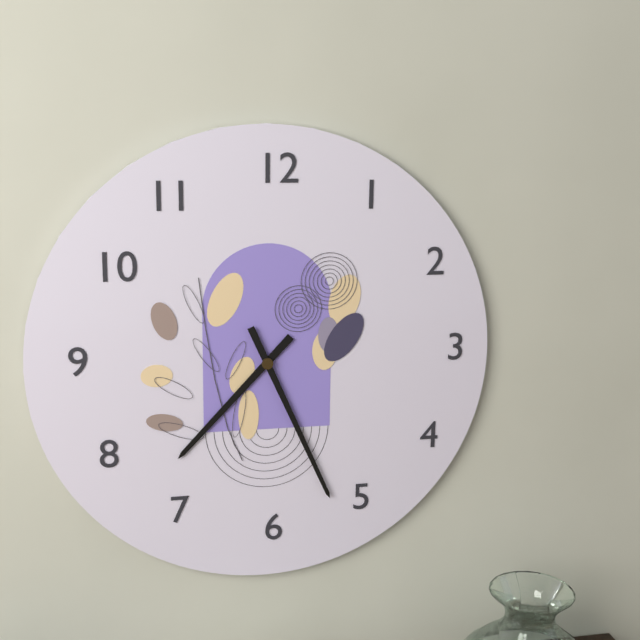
7:26
